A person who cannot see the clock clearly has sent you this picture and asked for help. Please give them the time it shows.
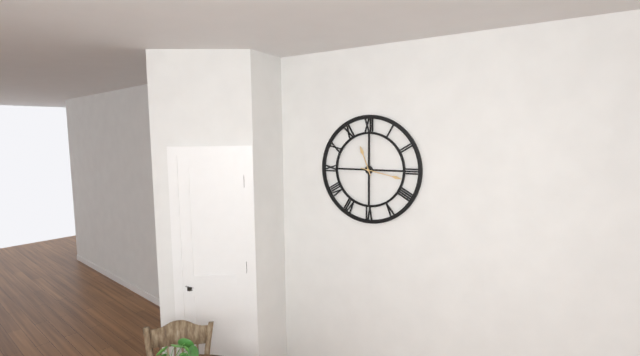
11:17
